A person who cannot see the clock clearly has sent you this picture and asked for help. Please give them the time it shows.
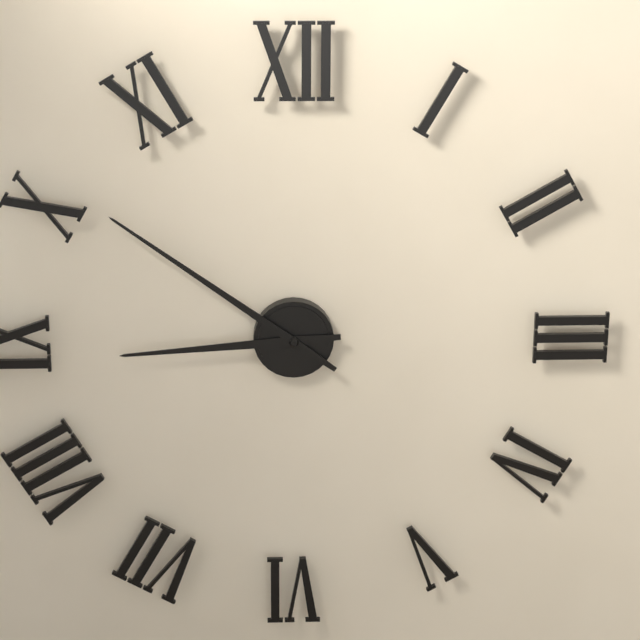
8:51
